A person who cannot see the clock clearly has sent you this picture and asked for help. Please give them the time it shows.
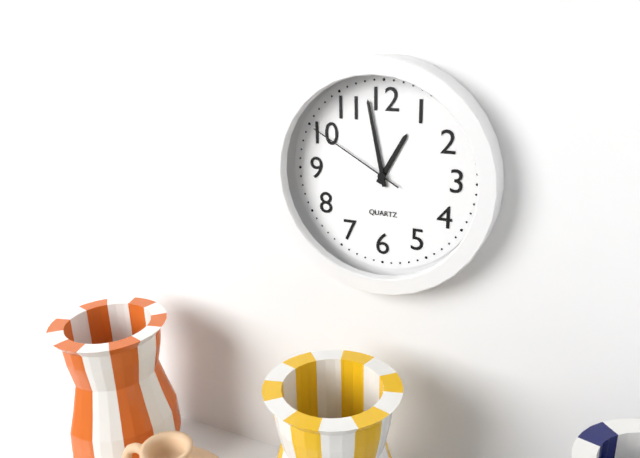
12:58:50
